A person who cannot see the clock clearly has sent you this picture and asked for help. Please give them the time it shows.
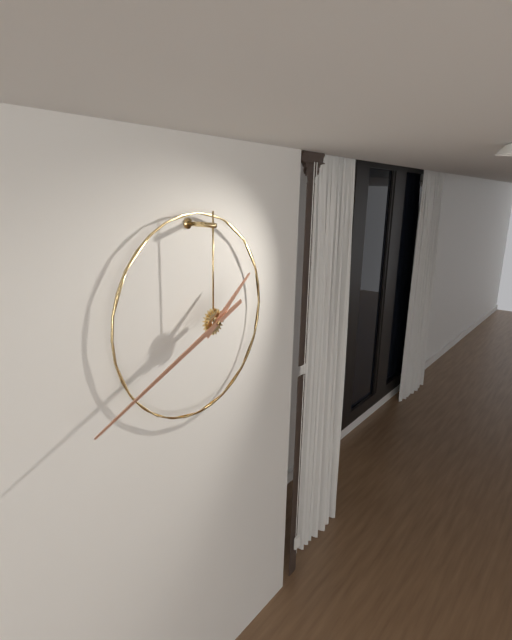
1:41
